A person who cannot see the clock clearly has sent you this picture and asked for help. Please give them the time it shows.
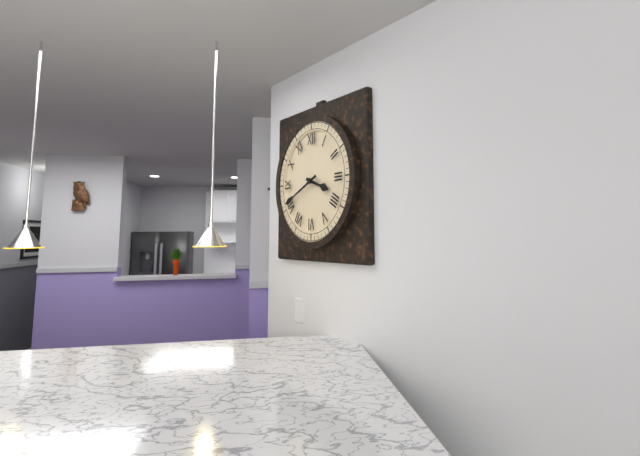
3:41
